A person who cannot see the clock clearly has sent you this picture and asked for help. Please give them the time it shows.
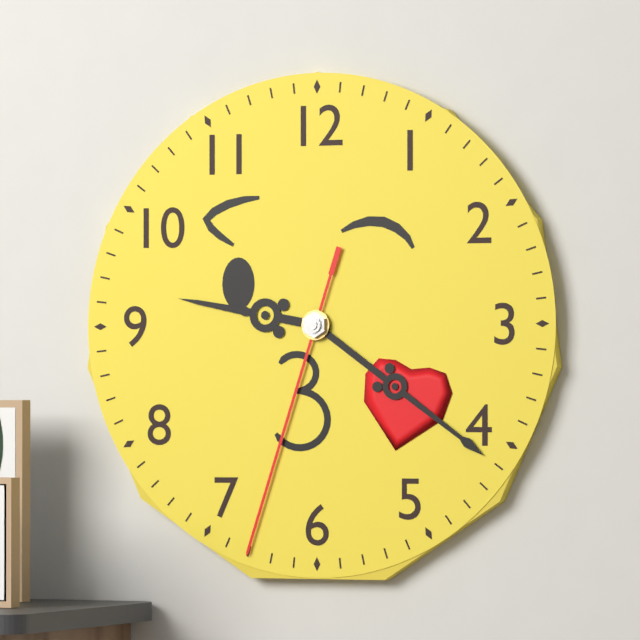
9:21:33
